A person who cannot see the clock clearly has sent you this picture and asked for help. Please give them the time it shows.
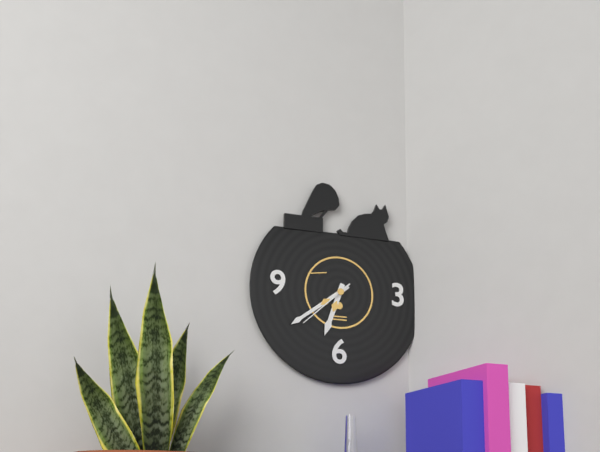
6:39:38
